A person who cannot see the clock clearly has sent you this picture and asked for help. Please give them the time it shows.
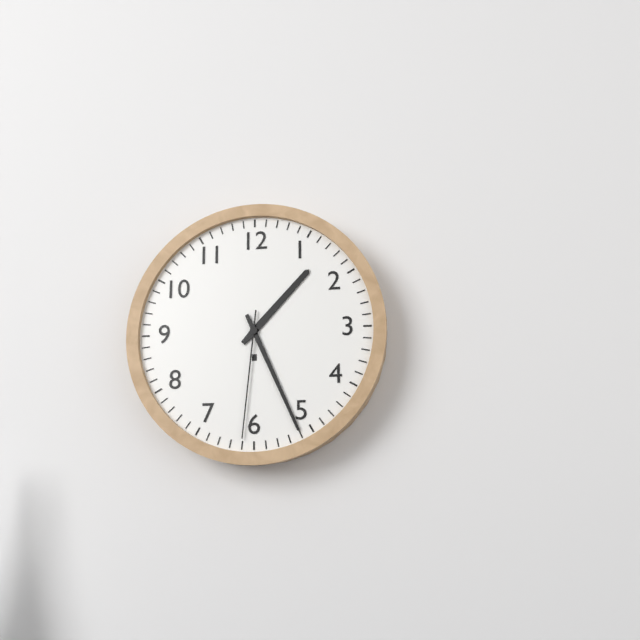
1:26:31
